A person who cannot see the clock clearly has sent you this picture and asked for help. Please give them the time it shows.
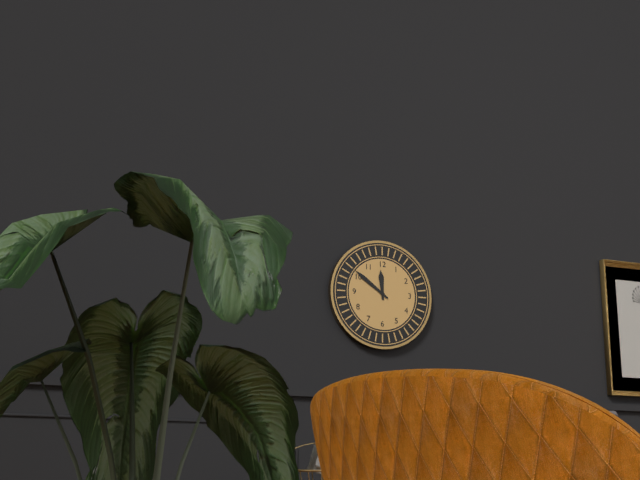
11:51
